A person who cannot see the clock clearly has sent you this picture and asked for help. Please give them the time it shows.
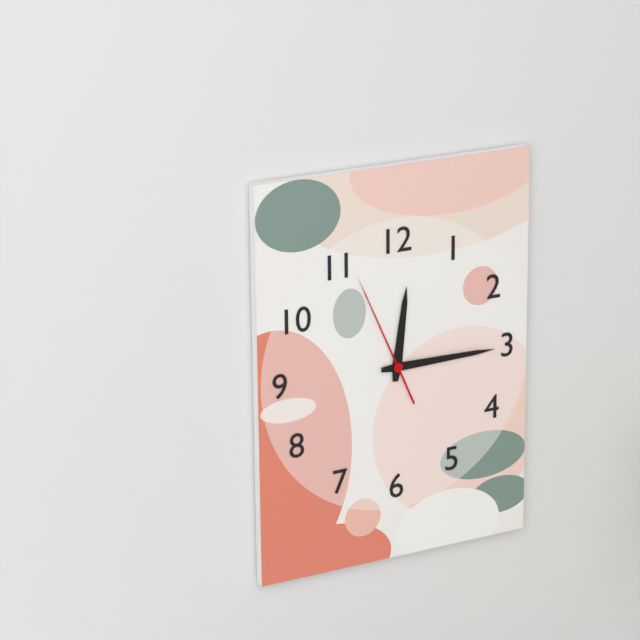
12:15:56
